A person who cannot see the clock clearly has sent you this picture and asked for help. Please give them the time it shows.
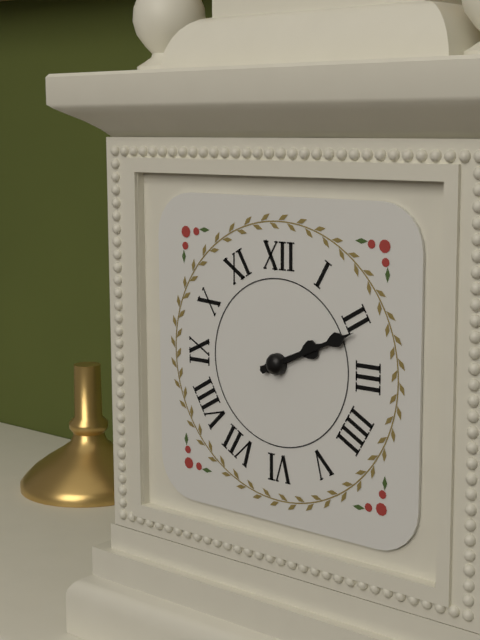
2:11
